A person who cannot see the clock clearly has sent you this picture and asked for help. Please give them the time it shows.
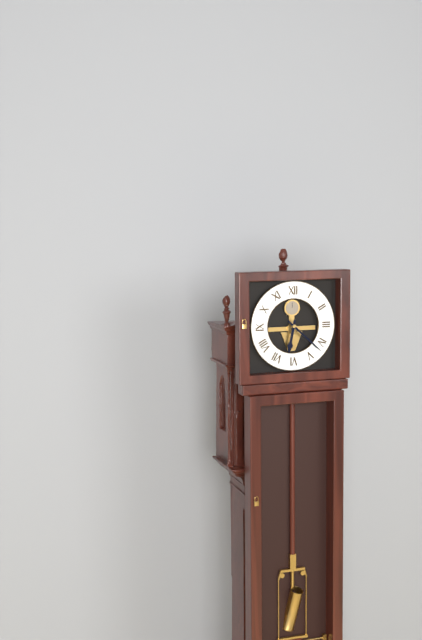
6:22
